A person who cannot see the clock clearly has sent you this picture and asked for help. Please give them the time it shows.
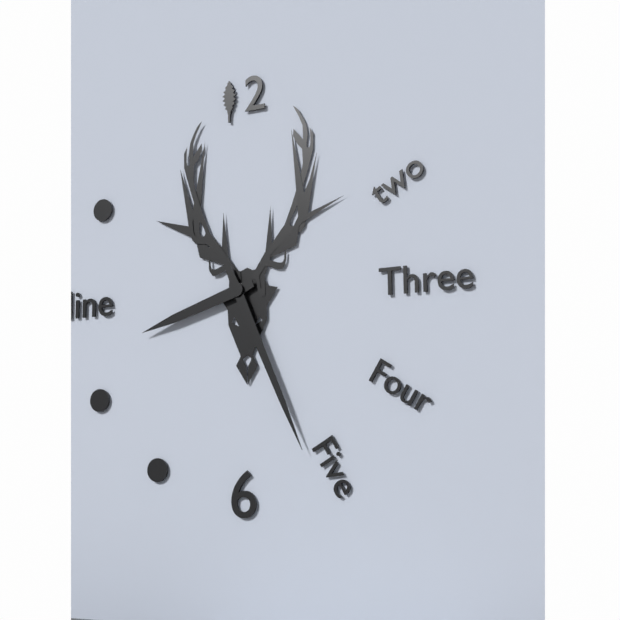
8:26
